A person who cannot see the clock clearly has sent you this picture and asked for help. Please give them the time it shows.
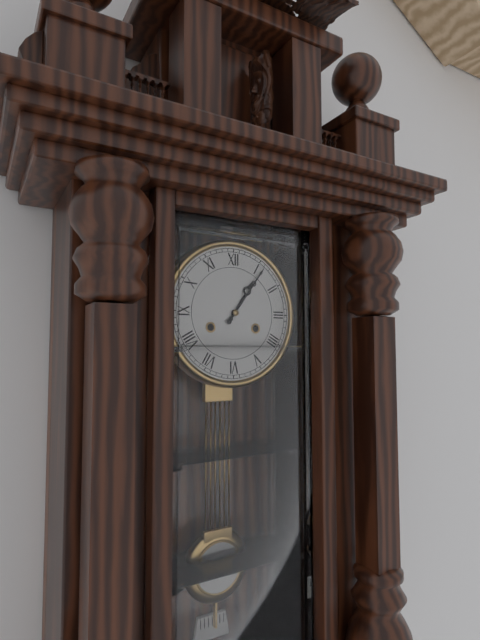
1:06
